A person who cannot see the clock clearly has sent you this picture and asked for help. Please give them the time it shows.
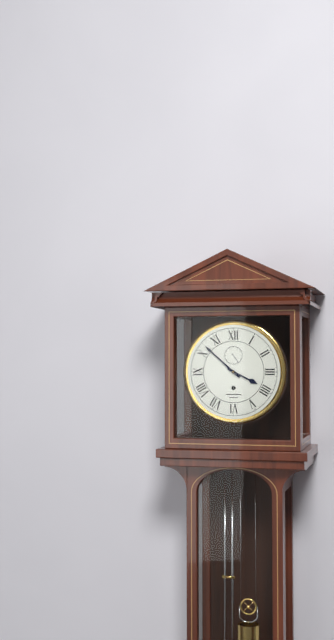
3:52
